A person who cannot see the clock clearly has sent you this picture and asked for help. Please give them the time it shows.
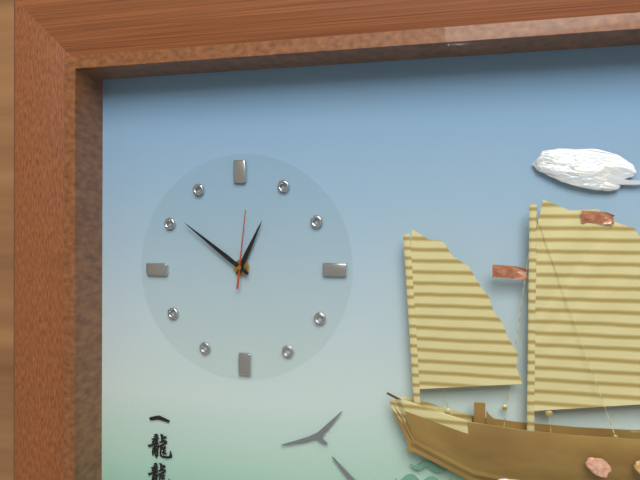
12:51:01
